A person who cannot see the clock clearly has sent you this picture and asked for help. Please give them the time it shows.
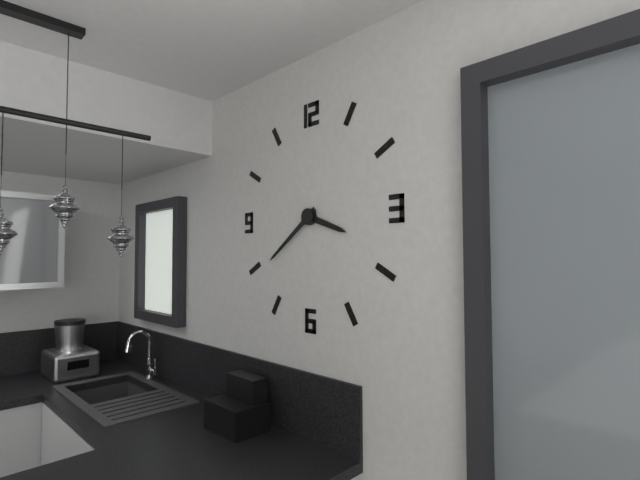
3:39
